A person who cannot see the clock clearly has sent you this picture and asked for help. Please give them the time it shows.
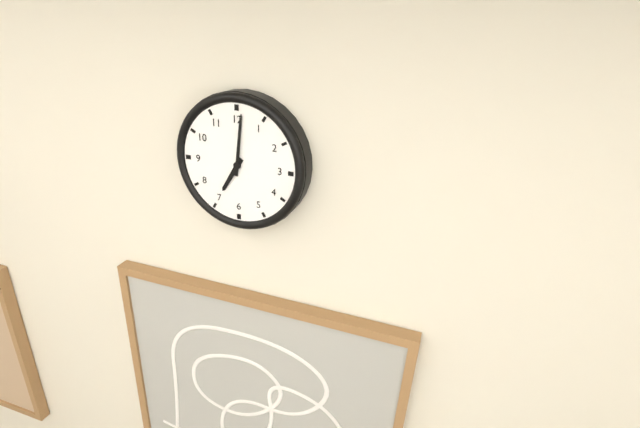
7:01
